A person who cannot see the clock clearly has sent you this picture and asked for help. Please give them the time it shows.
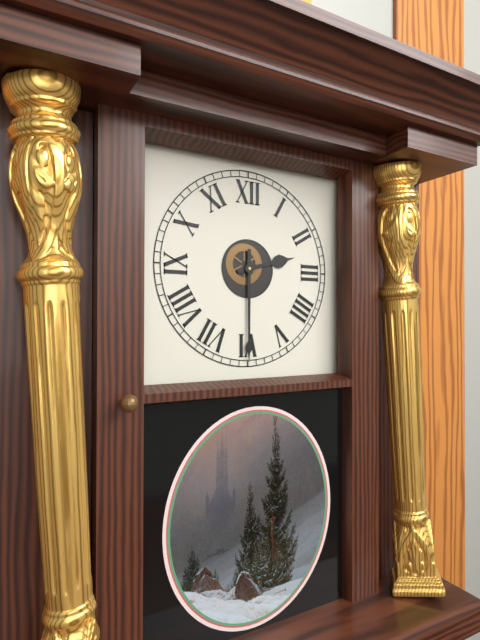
2:30
